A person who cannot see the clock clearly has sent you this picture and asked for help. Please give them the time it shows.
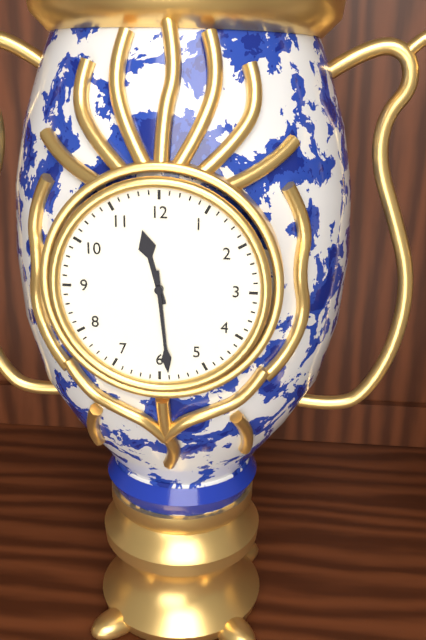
11:29
